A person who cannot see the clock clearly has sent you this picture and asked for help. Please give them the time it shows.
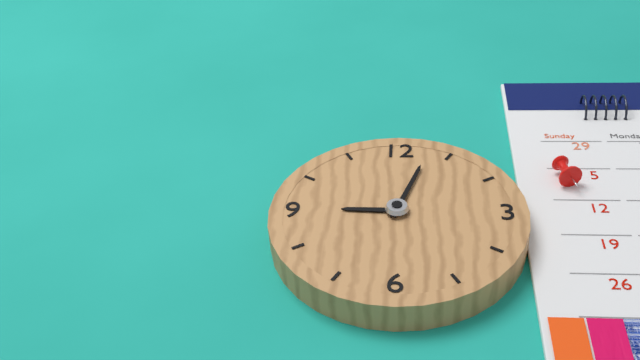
9:03
